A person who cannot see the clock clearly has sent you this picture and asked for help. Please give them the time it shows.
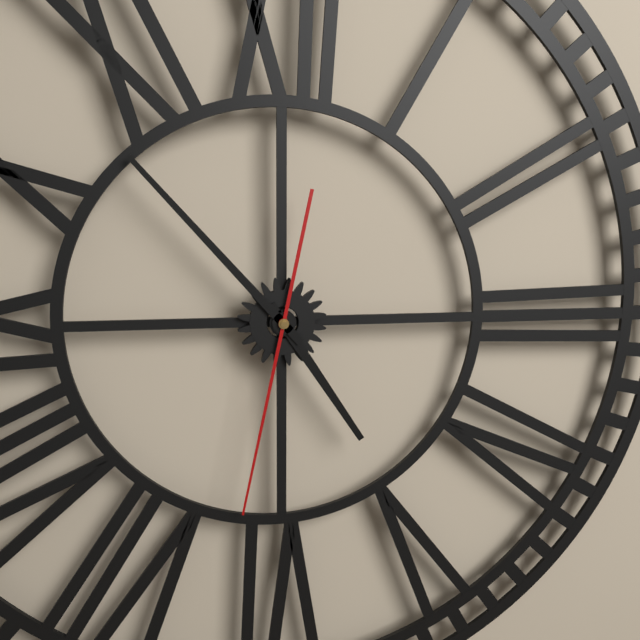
4:53:32
